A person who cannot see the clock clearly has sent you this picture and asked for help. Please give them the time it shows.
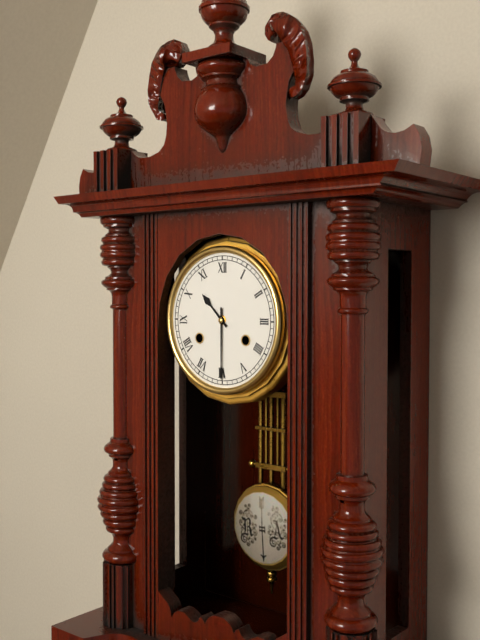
10:30
